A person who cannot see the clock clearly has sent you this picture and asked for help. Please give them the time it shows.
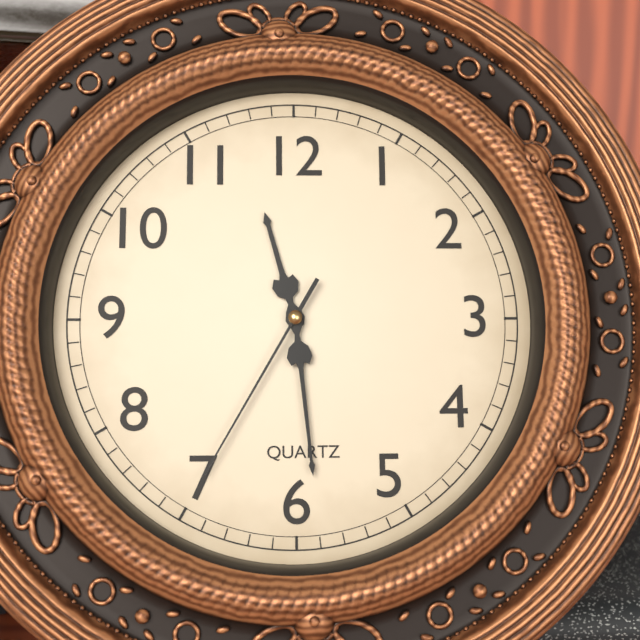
11:29:35
